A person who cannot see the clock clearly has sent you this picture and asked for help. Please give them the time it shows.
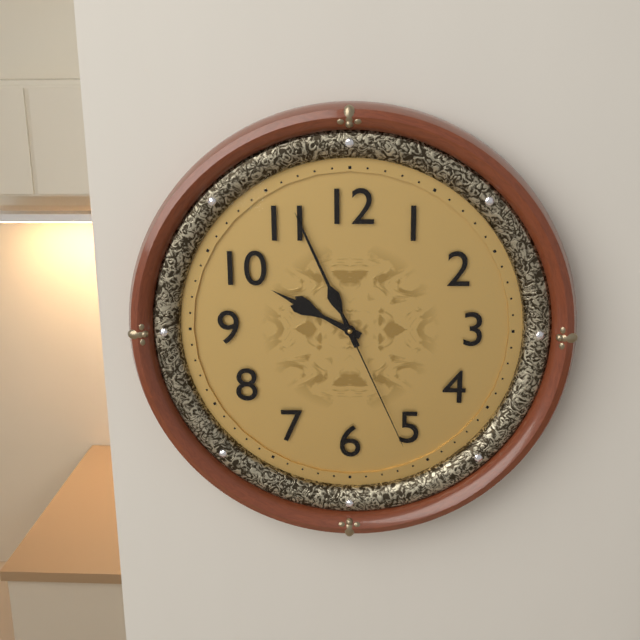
9:56:26
